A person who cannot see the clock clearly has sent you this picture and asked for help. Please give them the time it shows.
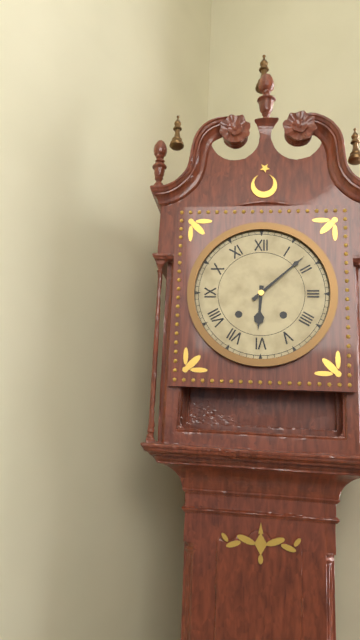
6:08
